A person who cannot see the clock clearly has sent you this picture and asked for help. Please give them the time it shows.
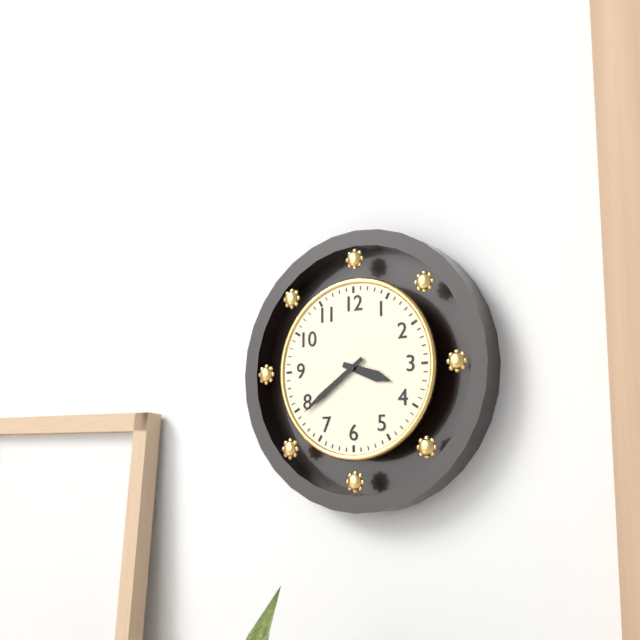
3:39
